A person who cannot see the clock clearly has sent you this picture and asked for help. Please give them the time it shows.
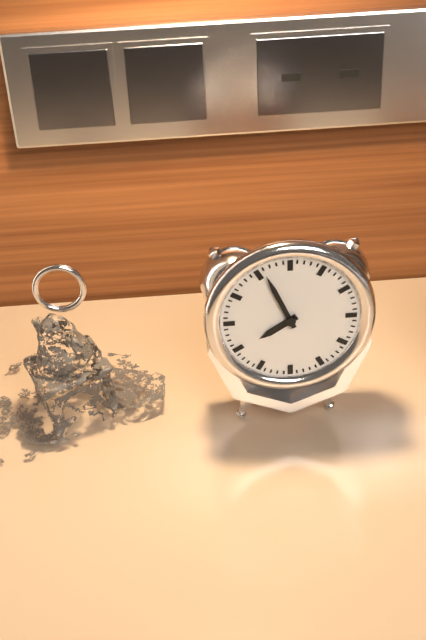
7:56
